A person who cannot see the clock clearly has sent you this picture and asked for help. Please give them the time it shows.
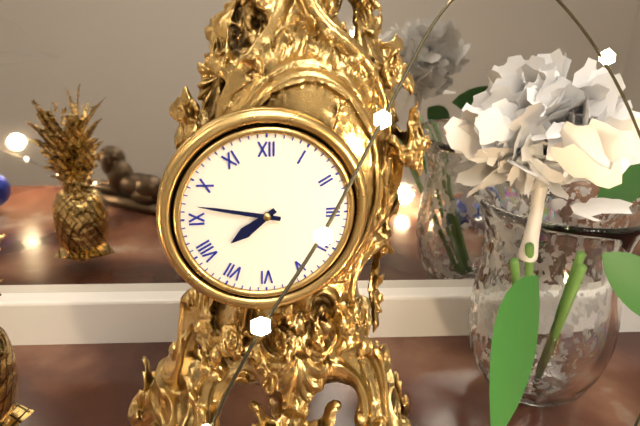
7:47
